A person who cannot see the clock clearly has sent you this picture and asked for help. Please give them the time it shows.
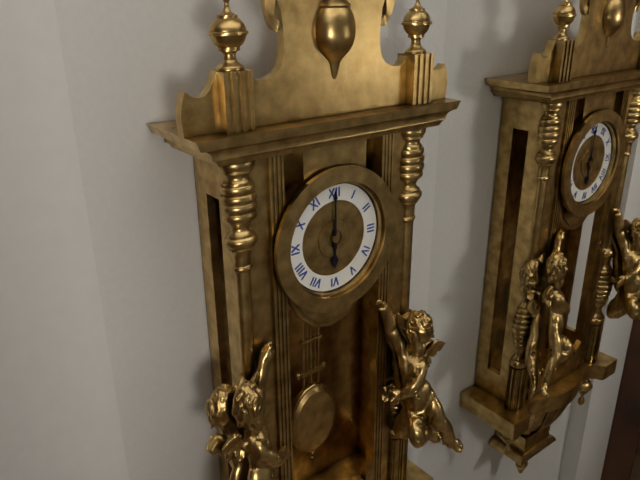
6:00
